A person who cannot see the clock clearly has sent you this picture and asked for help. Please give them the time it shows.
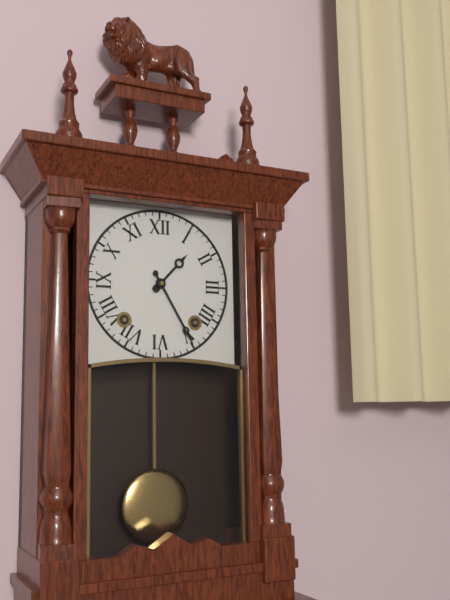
1:25
